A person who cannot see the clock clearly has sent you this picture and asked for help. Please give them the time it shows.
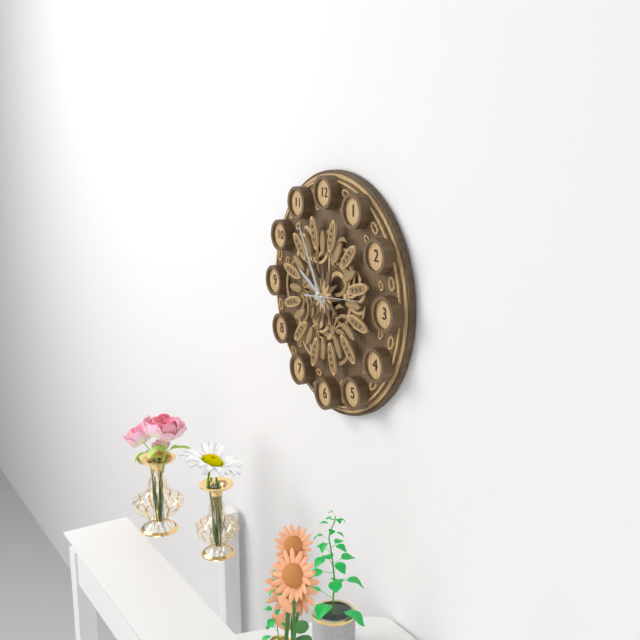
9:55
